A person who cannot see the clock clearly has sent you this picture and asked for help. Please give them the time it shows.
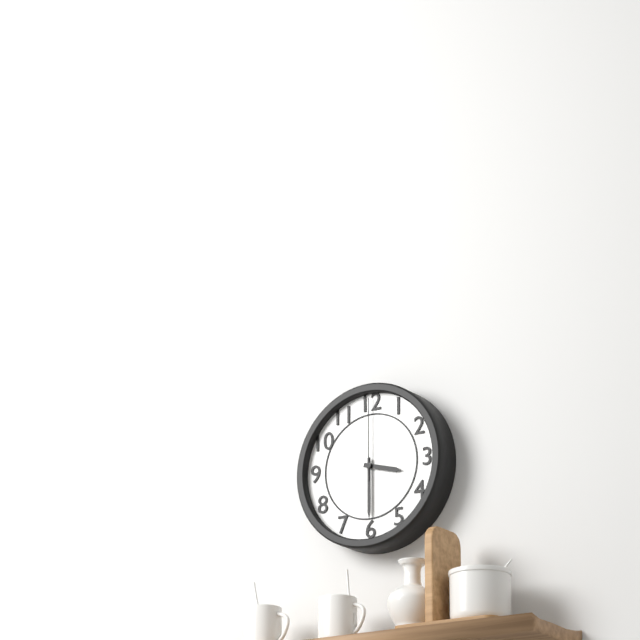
3:30:00
